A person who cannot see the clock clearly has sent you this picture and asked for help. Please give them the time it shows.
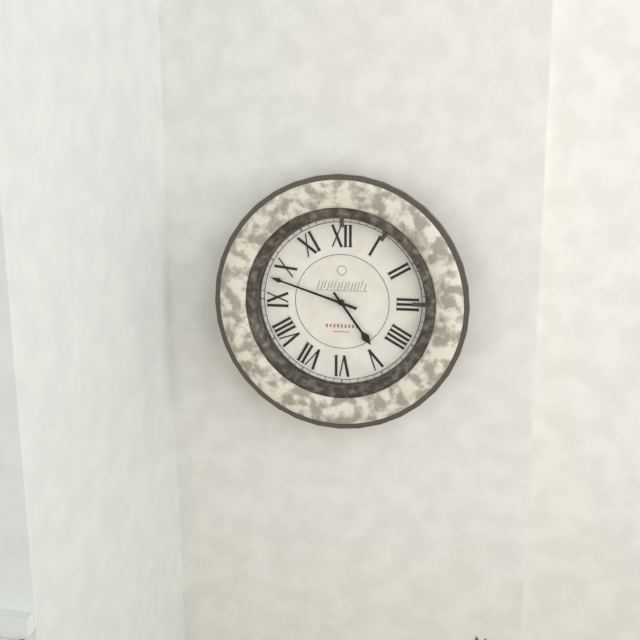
4:48
